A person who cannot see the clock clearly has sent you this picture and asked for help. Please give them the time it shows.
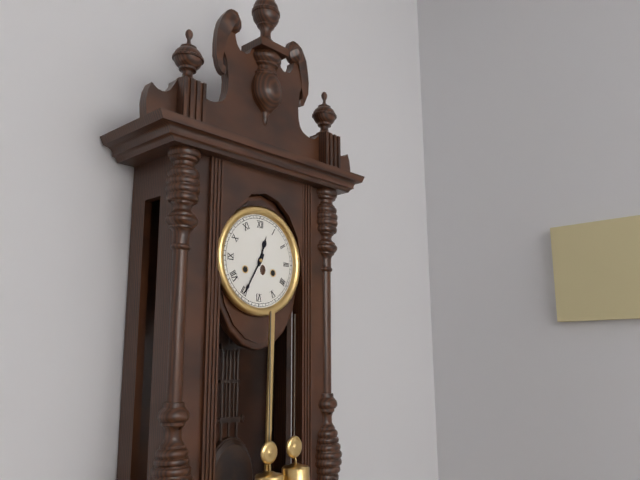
12:35
